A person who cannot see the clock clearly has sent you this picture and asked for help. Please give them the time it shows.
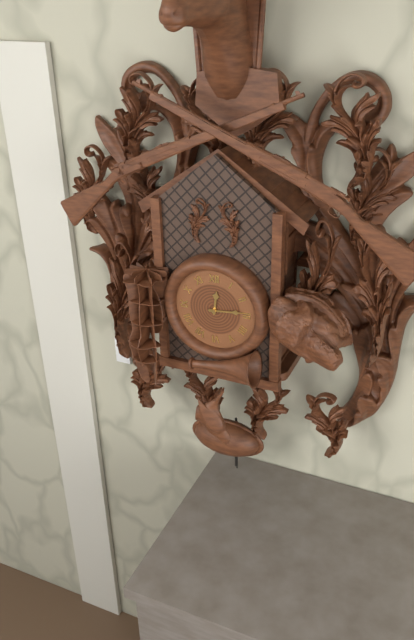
12:14
